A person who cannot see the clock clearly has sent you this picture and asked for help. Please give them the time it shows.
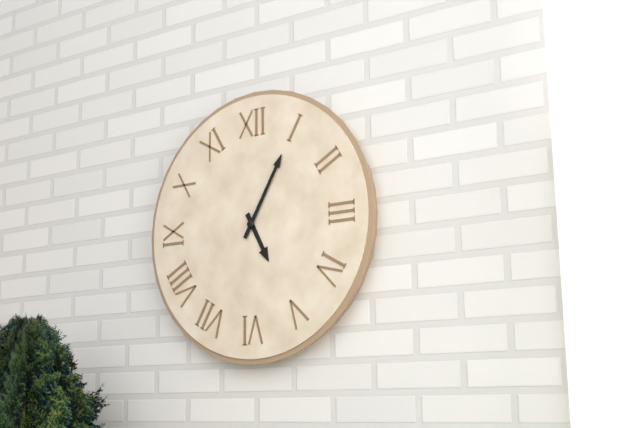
5:05
